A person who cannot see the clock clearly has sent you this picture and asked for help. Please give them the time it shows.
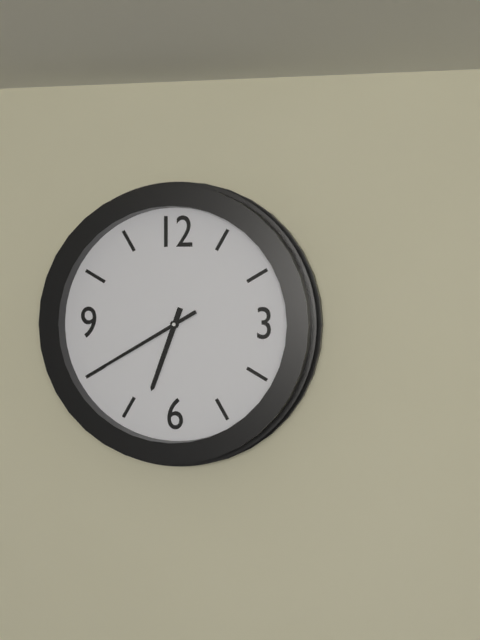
6:40
